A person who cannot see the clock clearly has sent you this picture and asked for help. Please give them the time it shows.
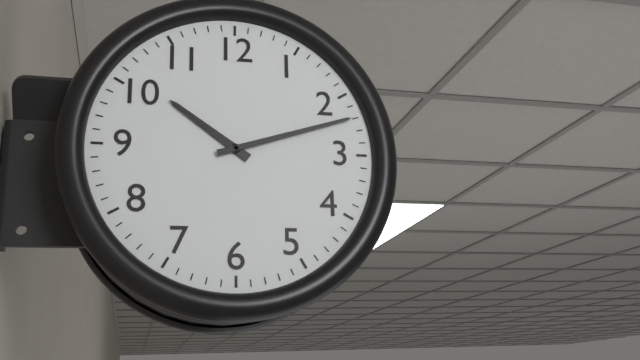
10:12
